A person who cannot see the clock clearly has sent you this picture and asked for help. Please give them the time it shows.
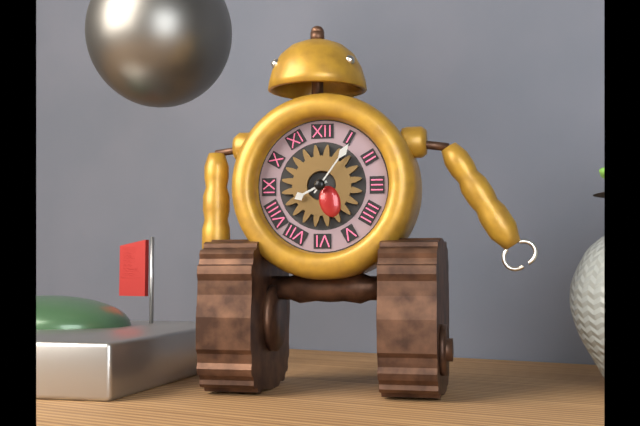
8:06
